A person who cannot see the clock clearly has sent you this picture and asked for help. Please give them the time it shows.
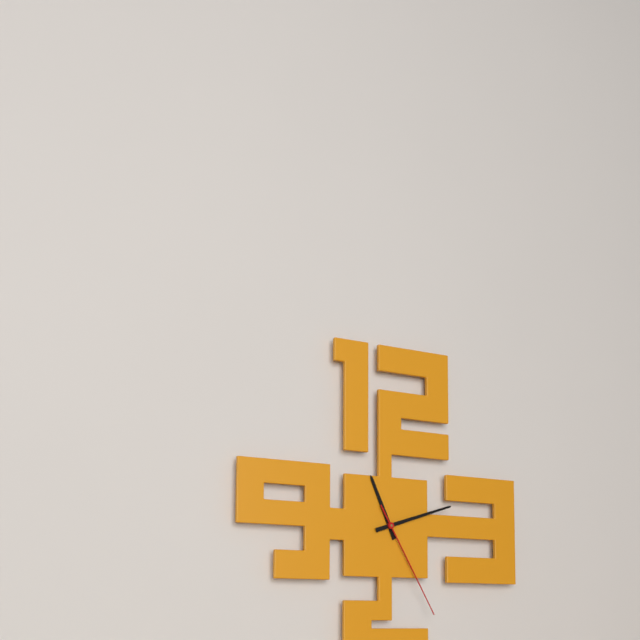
11:12:25
